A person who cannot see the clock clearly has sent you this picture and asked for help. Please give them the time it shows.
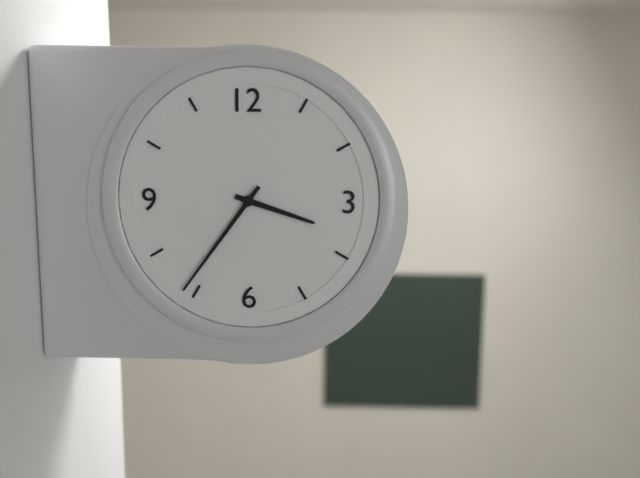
3:36
